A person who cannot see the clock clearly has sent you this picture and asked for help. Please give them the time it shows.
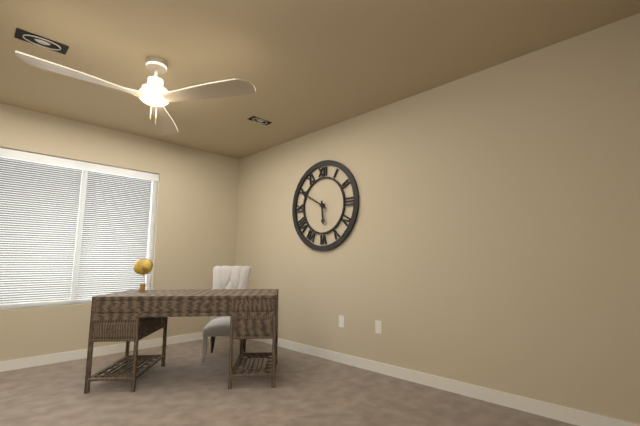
5:50
